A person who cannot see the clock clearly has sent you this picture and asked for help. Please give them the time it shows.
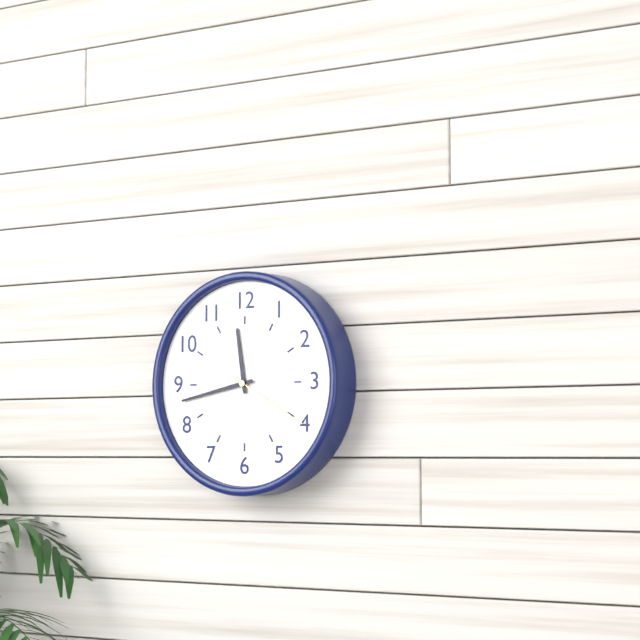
11:43:20
